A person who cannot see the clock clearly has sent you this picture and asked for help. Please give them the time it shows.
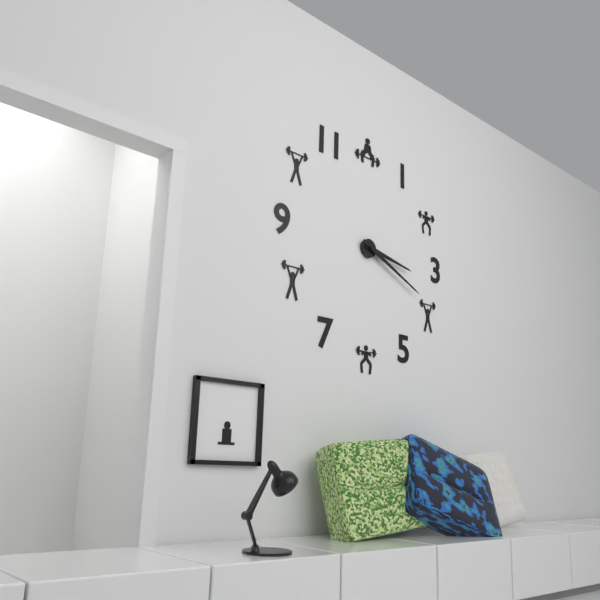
3:19
